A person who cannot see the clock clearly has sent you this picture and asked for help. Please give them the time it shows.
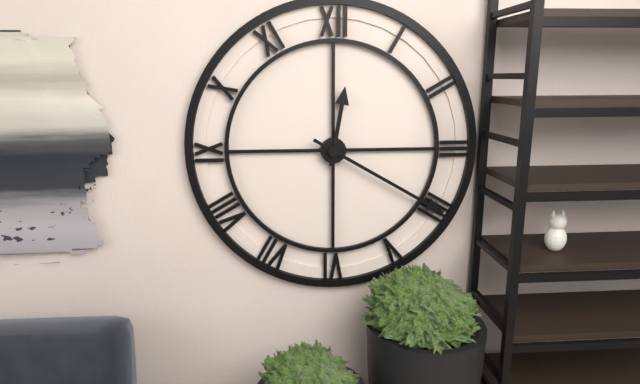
12:20
